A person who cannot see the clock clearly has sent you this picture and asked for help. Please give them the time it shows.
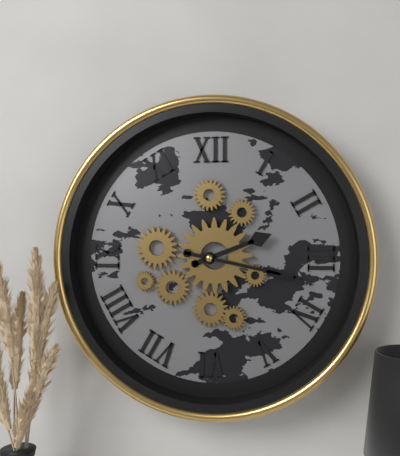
2:17
